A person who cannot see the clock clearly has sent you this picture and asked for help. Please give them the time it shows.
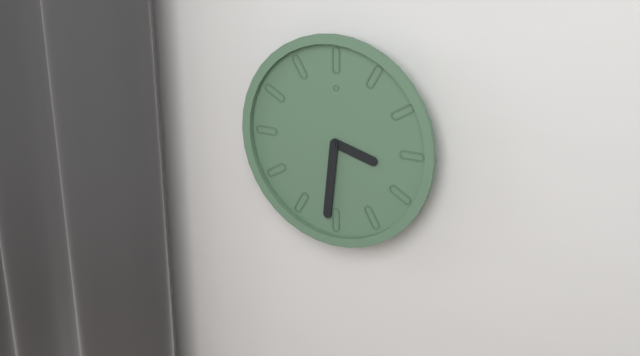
3:31
